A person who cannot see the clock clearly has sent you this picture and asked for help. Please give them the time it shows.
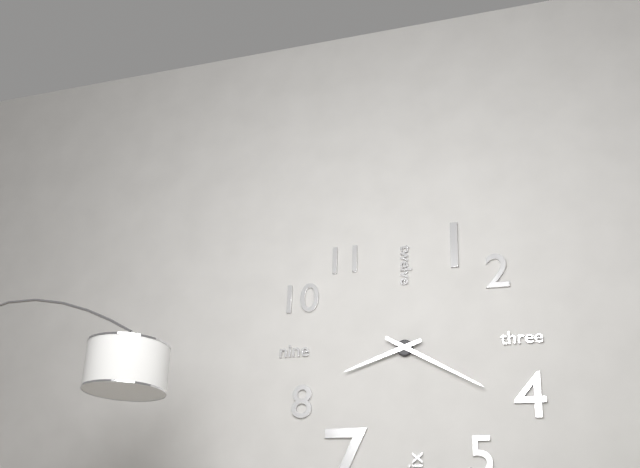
8:20
